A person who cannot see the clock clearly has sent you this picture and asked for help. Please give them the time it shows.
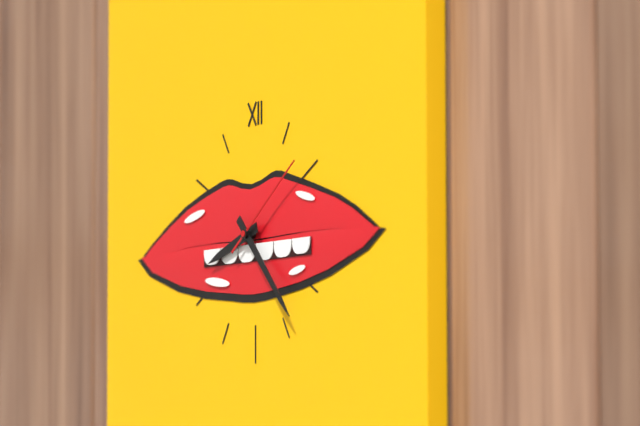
8:23:09
